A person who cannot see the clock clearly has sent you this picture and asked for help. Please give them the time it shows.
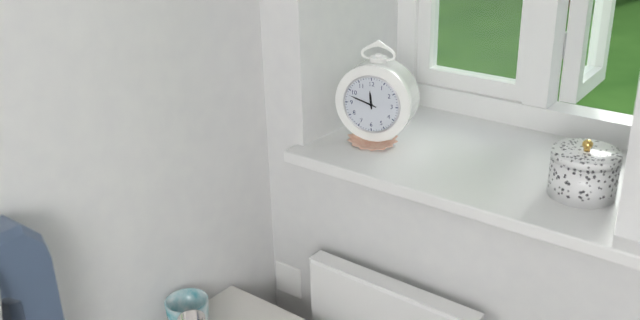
11:48
